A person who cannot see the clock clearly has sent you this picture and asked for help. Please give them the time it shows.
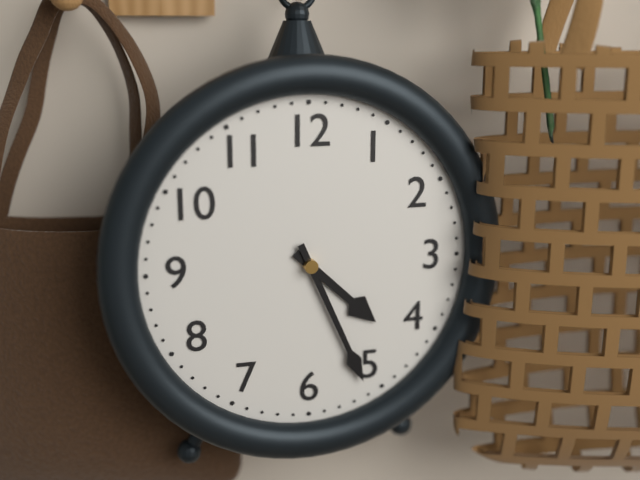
4:26
